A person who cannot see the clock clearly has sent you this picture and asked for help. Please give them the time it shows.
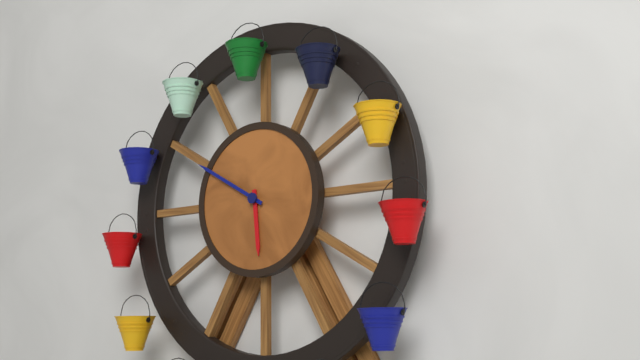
5:50
